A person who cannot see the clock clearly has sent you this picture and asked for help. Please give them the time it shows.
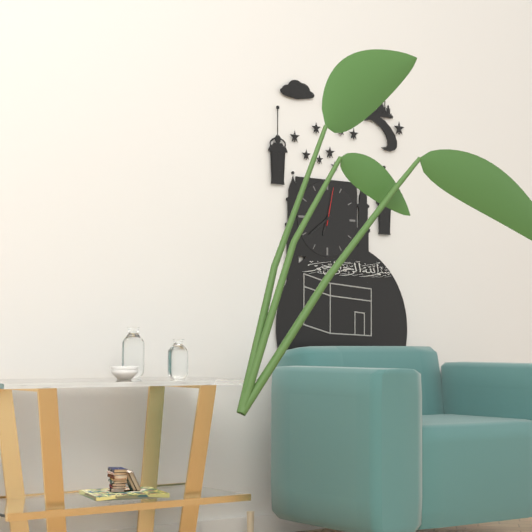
6:39
